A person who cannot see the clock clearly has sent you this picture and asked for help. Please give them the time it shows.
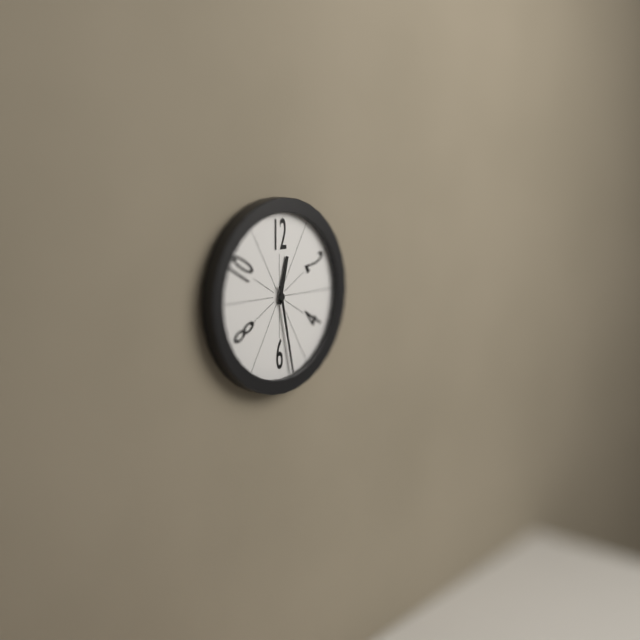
12:28
